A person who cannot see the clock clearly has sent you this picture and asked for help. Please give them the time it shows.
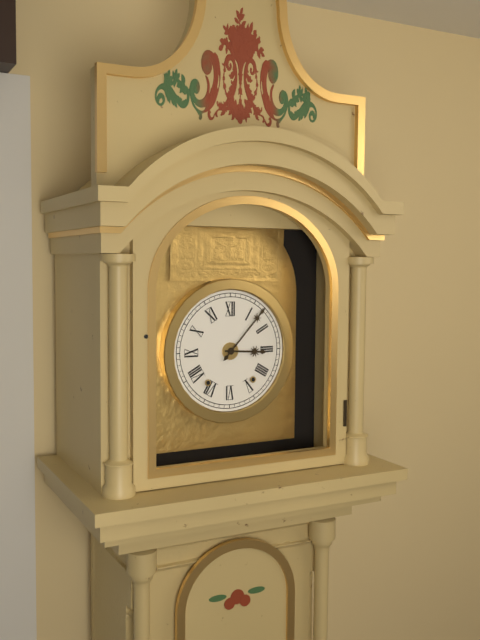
3:07
